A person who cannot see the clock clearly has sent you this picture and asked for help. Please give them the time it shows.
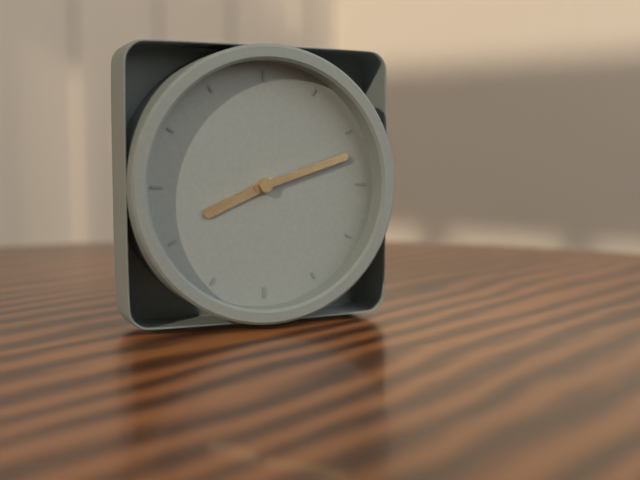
8:12
